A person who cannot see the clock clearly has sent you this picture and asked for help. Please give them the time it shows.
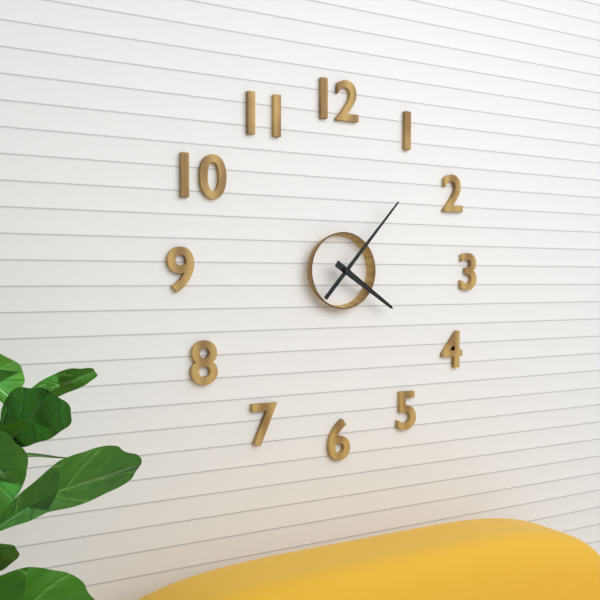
4:07
